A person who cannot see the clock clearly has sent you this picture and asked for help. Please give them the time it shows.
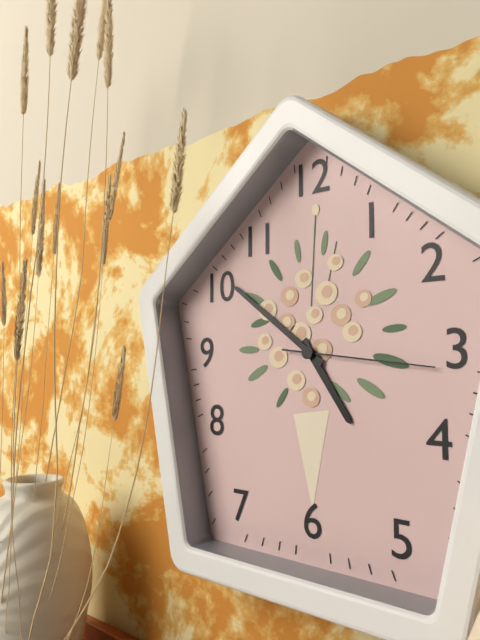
4:51:16
